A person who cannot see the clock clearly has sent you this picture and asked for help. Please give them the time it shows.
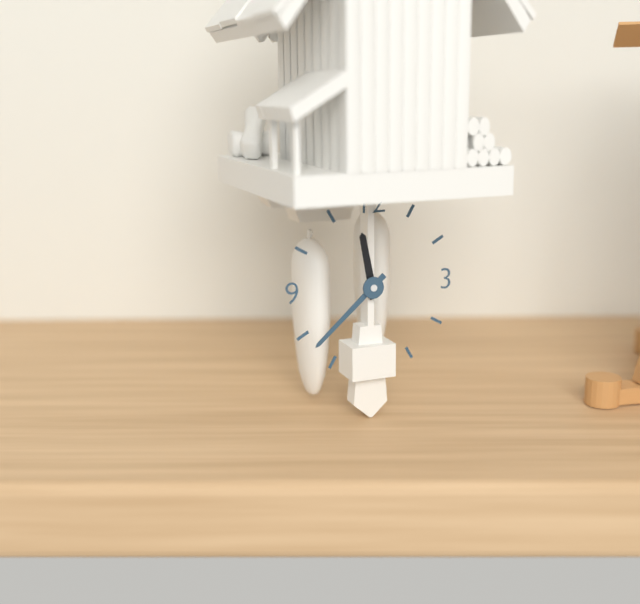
11:38
